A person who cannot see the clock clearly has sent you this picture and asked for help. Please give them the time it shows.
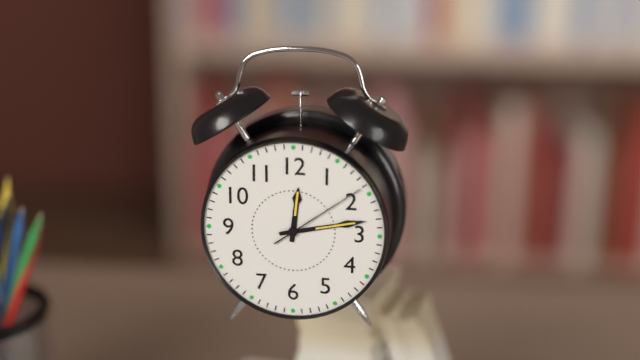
12:13:09
